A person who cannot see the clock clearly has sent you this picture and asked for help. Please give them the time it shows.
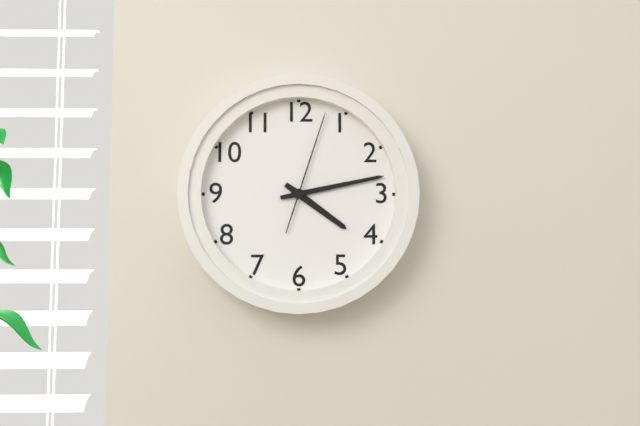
4:13:03
